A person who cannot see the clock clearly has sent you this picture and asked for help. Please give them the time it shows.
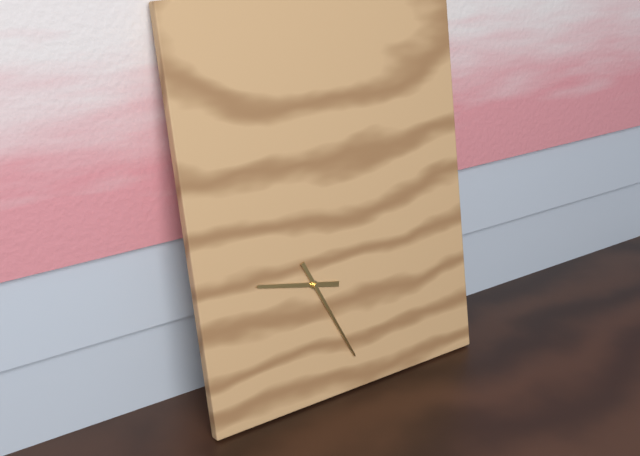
9:26
